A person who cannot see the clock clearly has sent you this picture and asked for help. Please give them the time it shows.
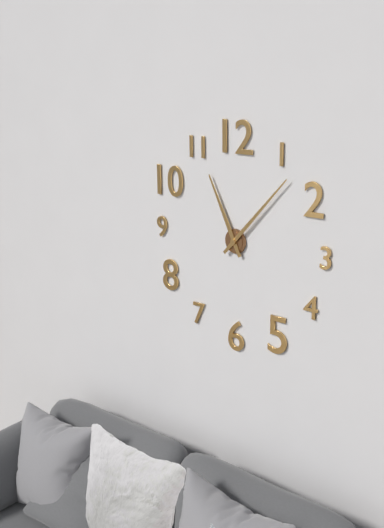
11:07
